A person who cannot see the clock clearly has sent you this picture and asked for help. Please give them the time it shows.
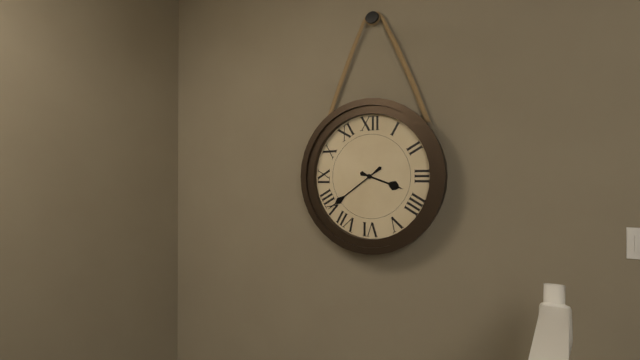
3:39
